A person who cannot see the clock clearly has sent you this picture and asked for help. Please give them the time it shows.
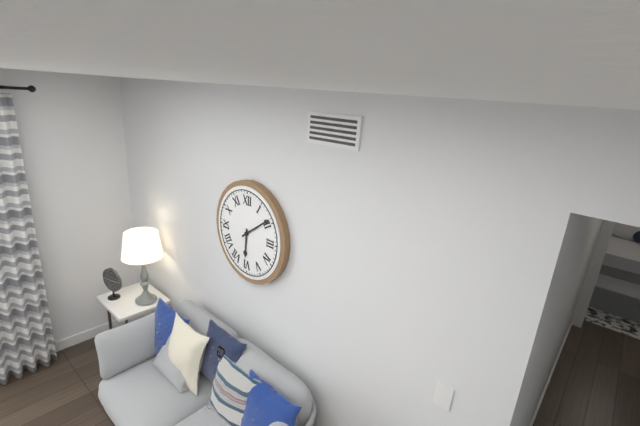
6:09
